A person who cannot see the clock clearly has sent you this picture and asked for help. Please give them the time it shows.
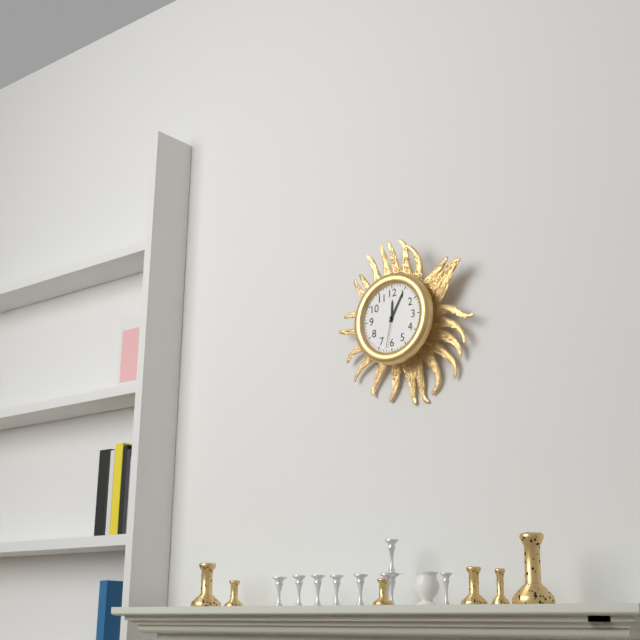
12:05
